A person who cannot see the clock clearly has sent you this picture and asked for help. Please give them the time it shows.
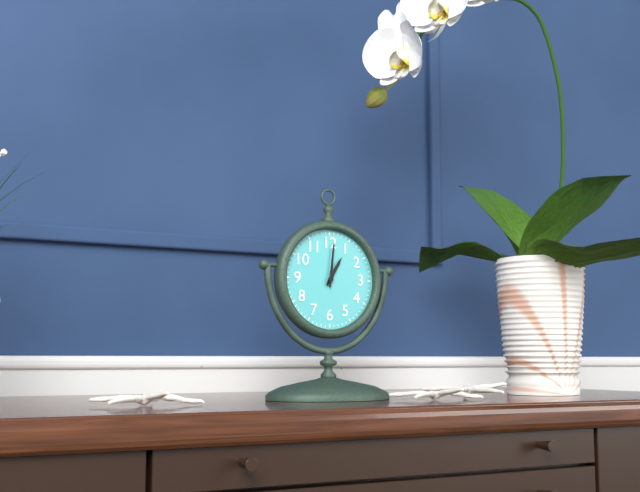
1:01
